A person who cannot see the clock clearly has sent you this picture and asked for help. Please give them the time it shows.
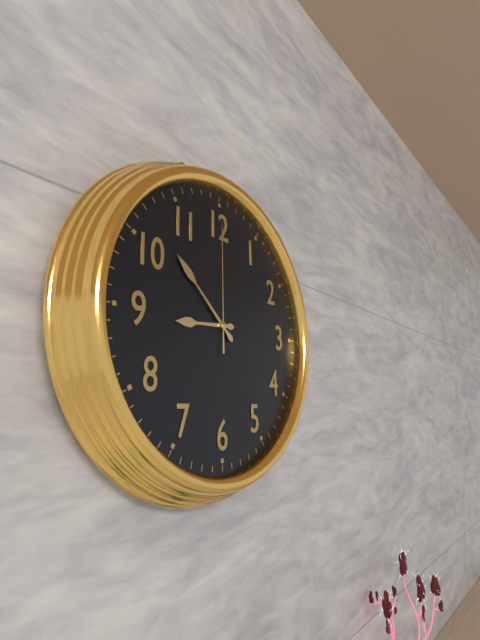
8:52:00
